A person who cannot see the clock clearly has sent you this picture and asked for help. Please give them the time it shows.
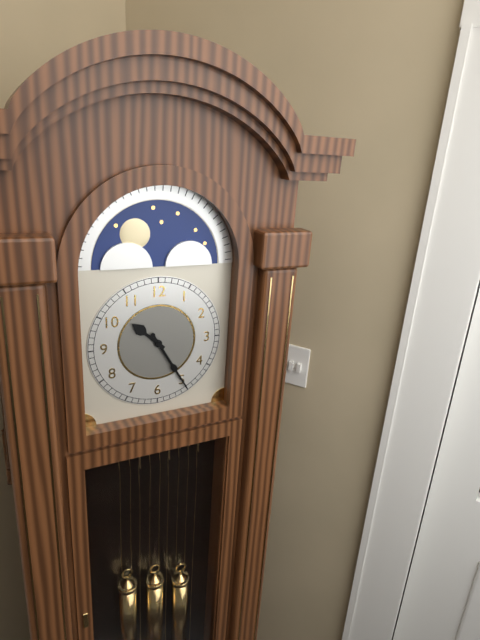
10:25
